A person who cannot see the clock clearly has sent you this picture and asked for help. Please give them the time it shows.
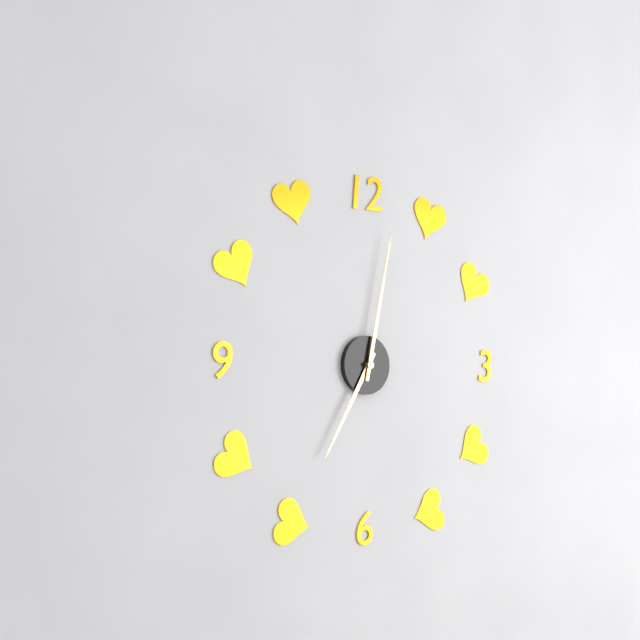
7:02
